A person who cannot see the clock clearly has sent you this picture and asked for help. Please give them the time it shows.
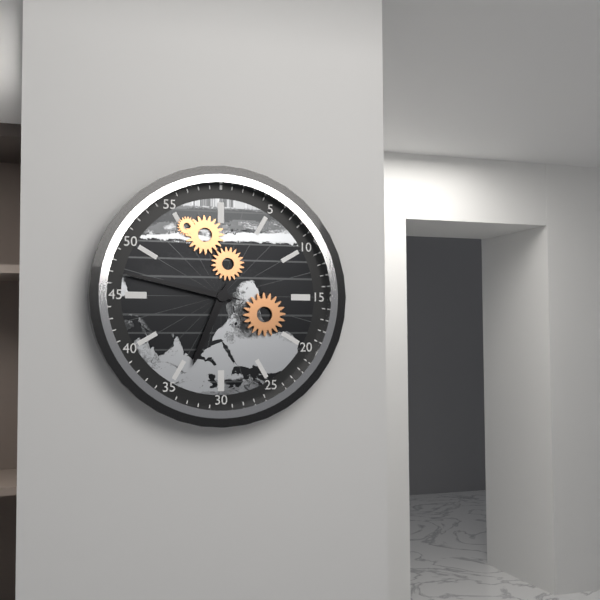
6:47
